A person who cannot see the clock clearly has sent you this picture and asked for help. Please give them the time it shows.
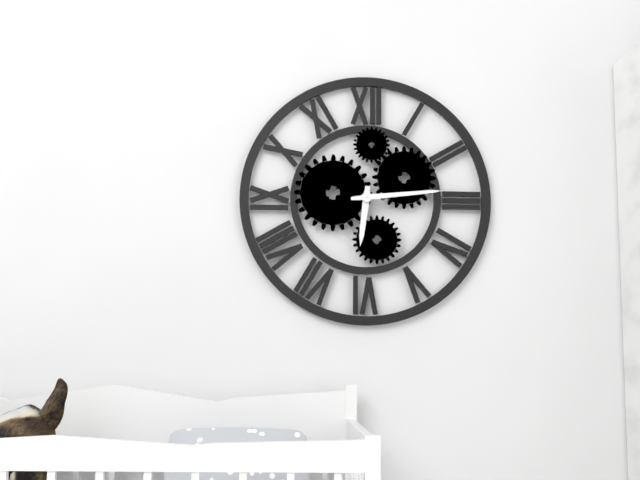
6:14
